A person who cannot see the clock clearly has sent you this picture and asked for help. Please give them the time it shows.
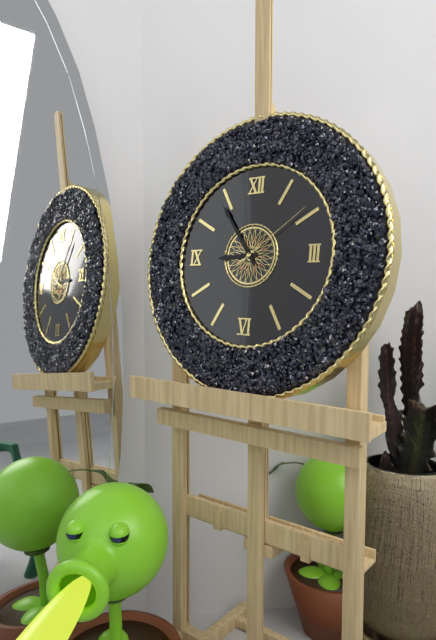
8:54:09
